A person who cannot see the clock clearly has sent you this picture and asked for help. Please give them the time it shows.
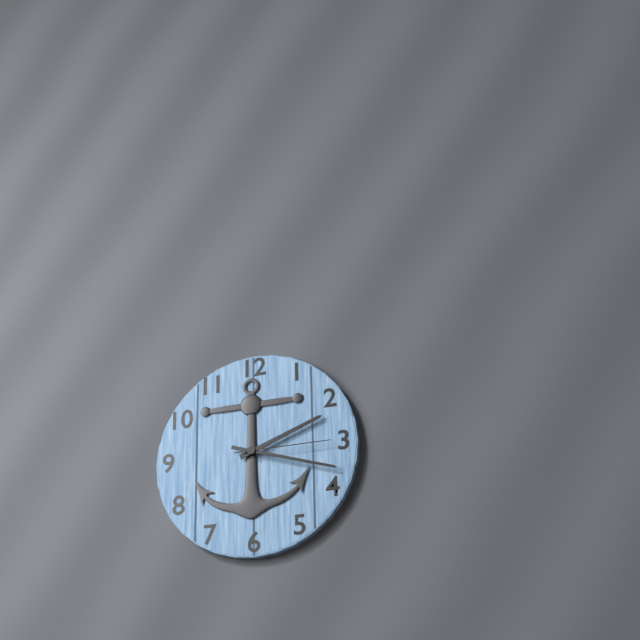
2:18:15
